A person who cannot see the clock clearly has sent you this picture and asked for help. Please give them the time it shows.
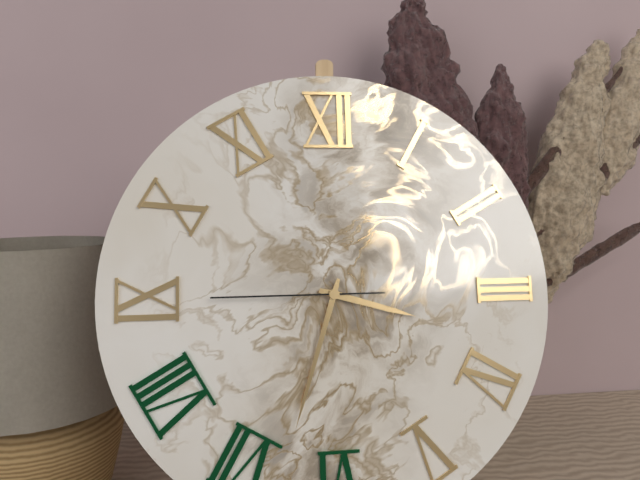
3:33:45
